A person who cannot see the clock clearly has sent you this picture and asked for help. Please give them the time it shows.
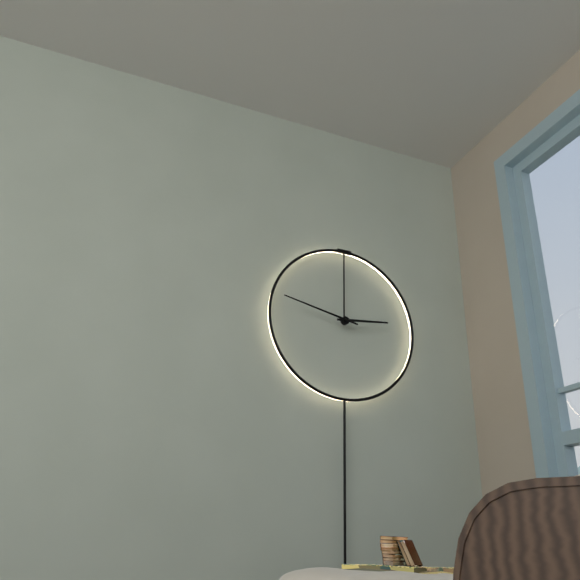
2:47
